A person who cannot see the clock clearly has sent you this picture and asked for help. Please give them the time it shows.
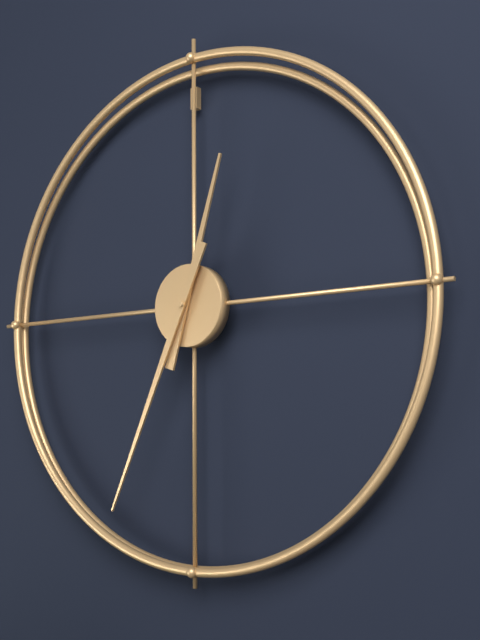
12:34
